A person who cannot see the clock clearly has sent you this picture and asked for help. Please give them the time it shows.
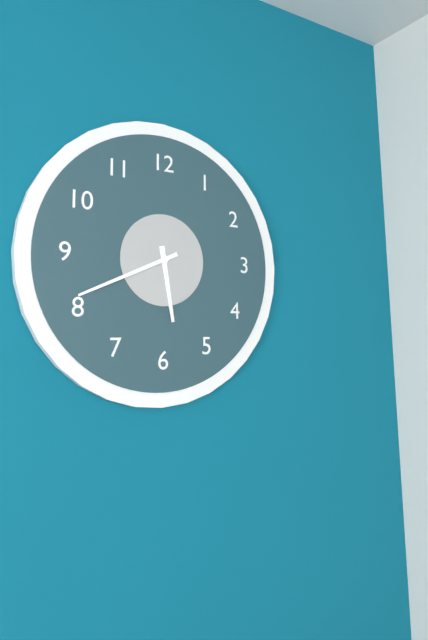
5:41
